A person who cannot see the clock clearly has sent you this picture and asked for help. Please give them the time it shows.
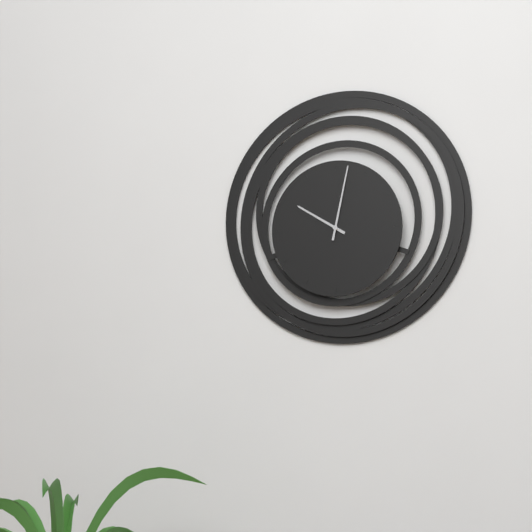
10:02
